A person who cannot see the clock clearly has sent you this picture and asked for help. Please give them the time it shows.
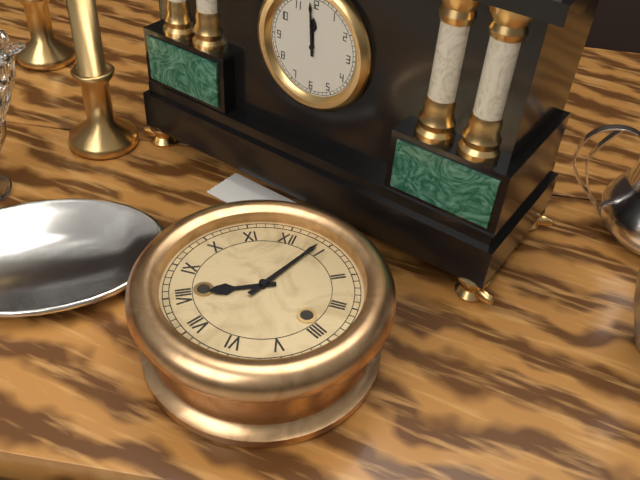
8:04
